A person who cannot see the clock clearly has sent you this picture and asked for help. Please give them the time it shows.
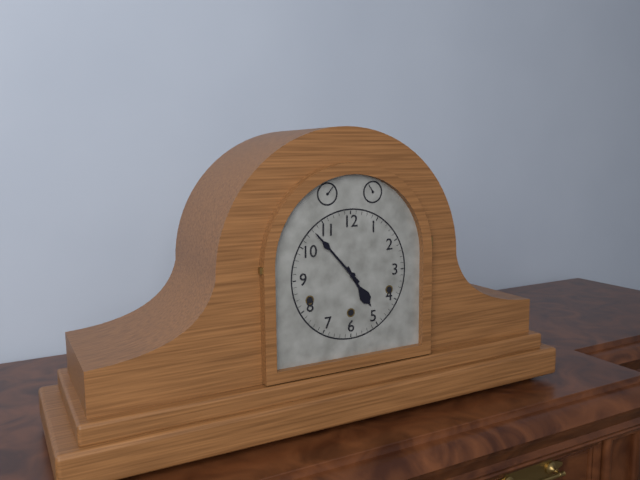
4:53
